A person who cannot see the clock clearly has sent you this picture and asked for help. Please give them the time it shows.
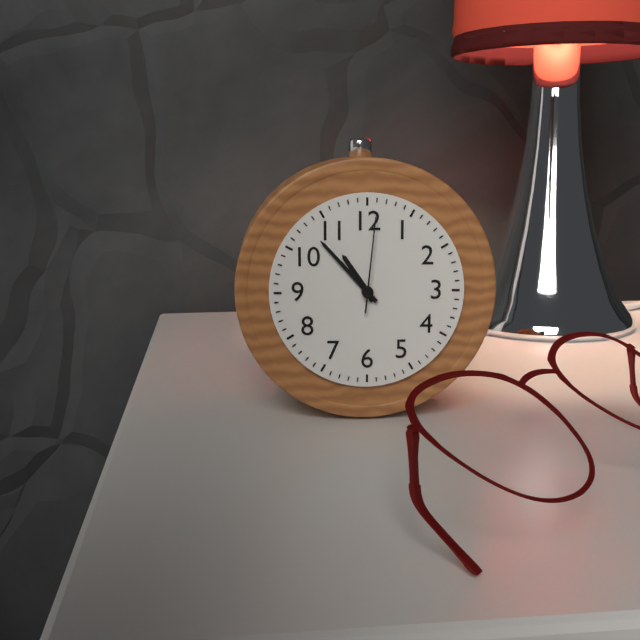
10:53:01
